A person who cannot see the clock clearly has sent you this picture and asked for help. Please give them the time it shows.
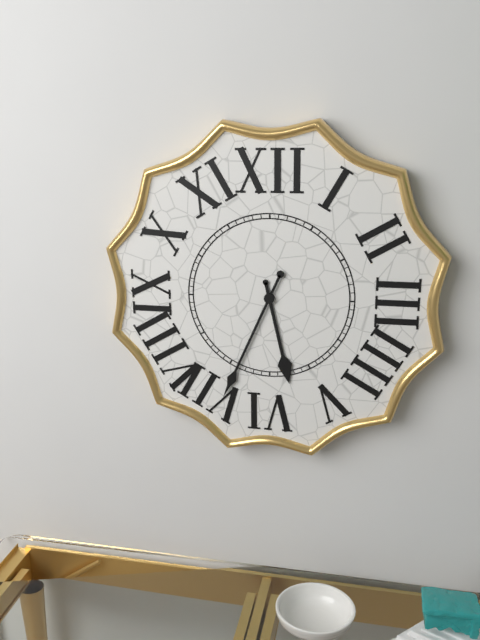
5:34
